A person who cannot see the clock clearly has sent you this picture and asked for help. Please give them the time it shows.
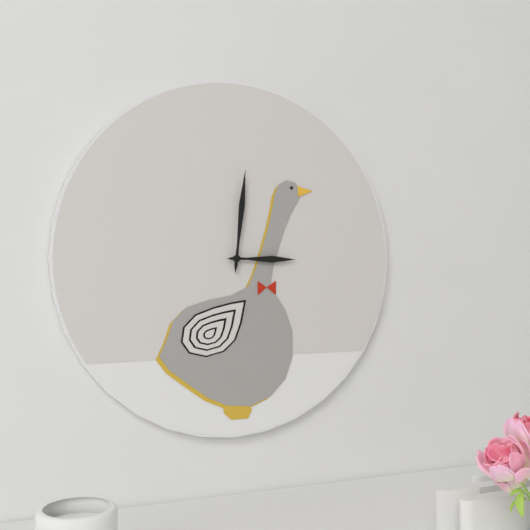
3:01
